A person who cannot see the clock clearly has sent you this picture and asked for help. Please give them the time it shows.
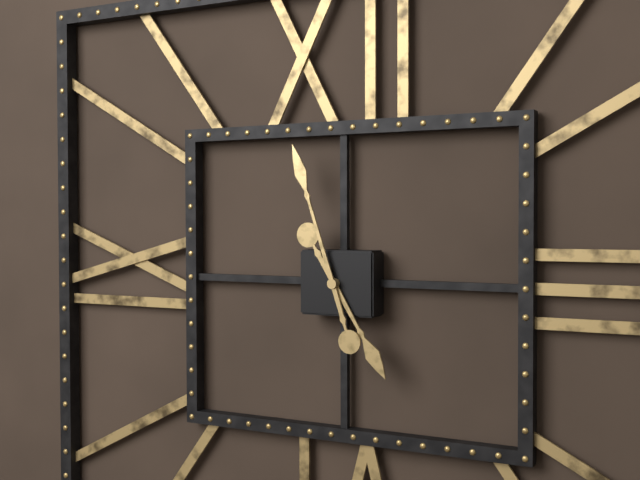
4:57
